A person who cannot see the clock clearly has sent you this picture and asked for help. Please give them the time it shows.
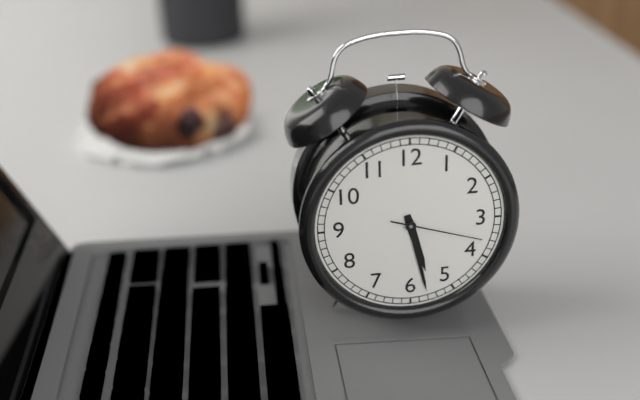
5:28:18
